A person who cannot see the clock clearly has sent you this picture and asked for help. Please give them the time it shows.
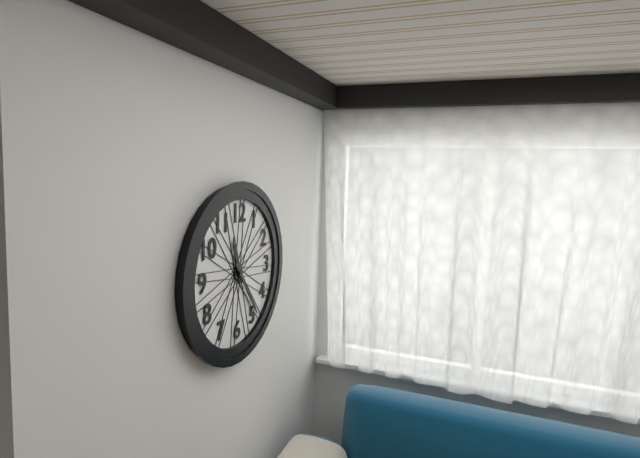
11:24
